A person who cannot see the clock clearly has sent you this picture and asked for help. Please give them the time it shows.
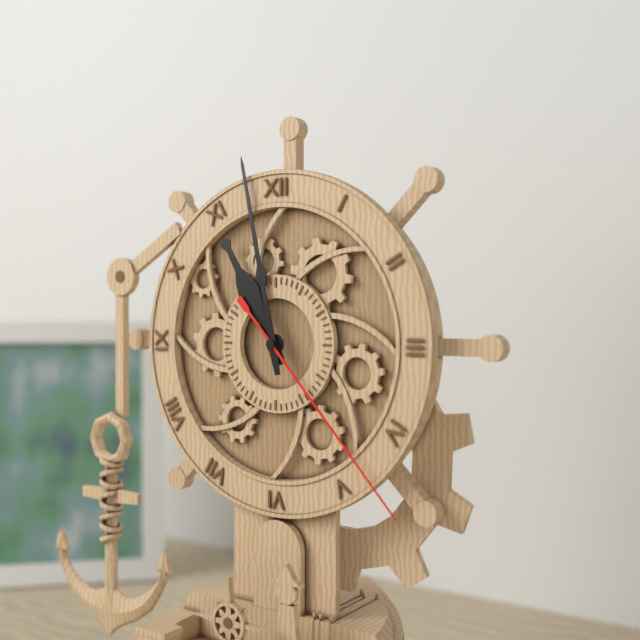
10:58:23
